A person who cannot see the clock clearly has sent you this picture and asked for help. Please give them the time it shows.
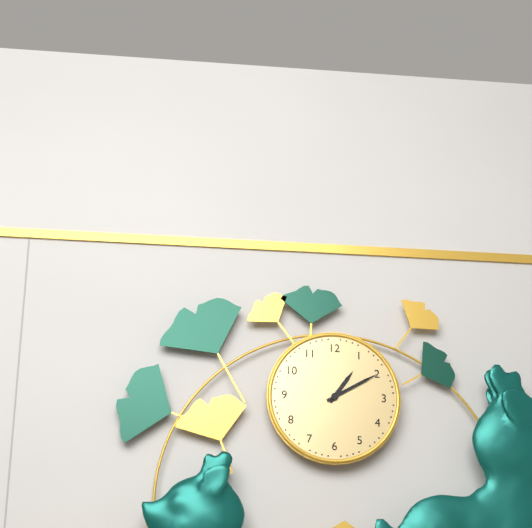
1:10
